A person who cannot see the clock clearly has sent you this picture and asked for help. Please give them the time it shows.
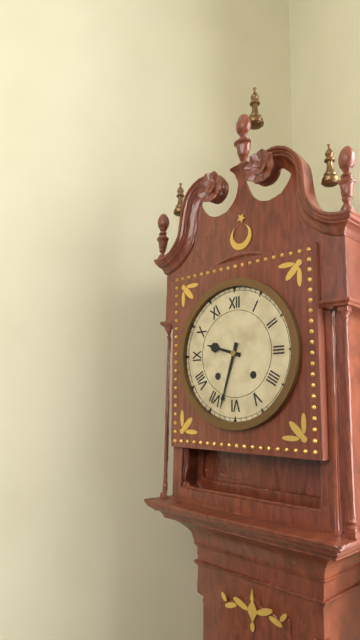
9:33
